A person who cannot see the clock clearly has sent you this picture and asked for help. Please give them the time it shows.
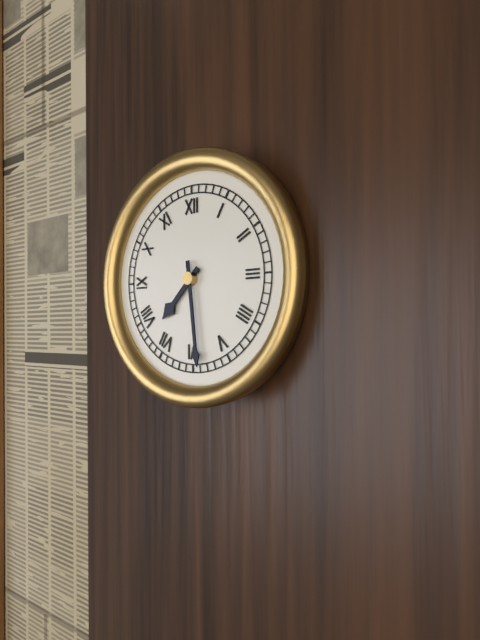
7:29
